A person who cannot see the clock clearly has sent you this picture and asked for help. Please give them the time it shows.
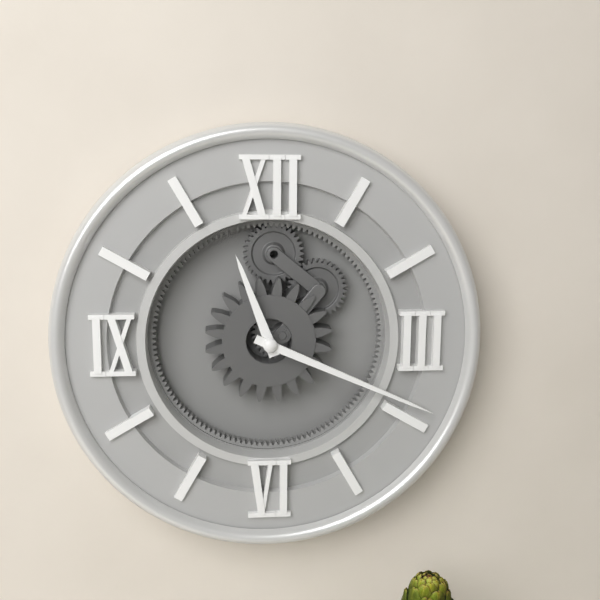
11:19
